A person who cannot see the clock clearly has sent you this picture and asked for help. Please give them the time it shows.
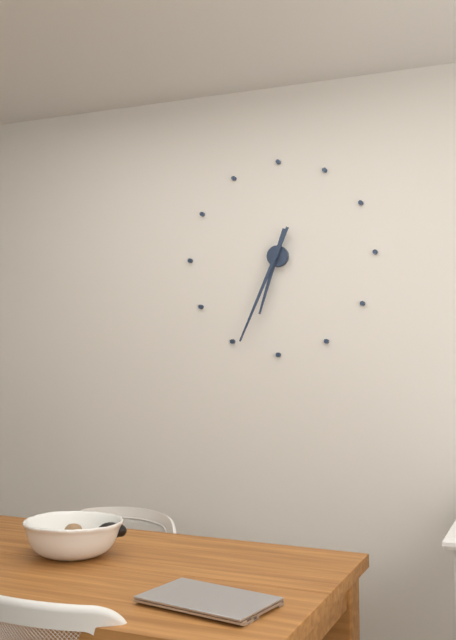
6:34
